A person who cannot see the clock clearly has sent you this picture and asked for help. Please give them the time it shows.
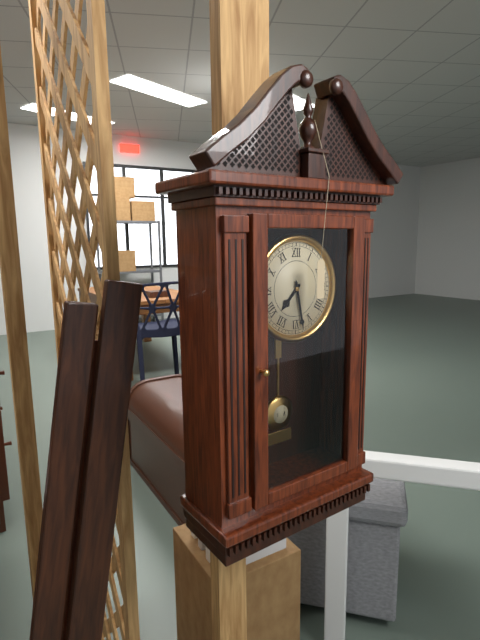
7:28
